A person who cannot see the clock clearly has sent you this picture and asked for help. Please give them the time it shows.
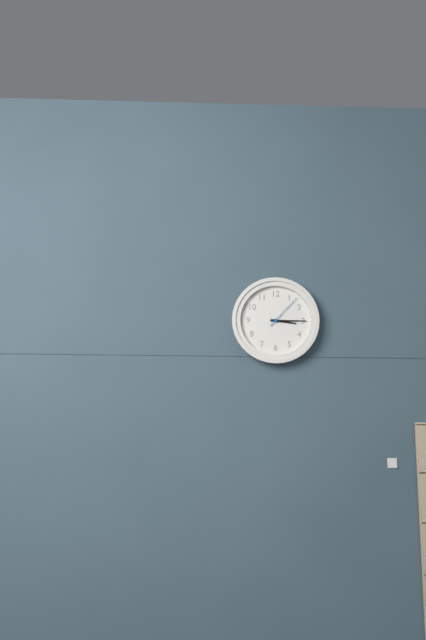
3:15
